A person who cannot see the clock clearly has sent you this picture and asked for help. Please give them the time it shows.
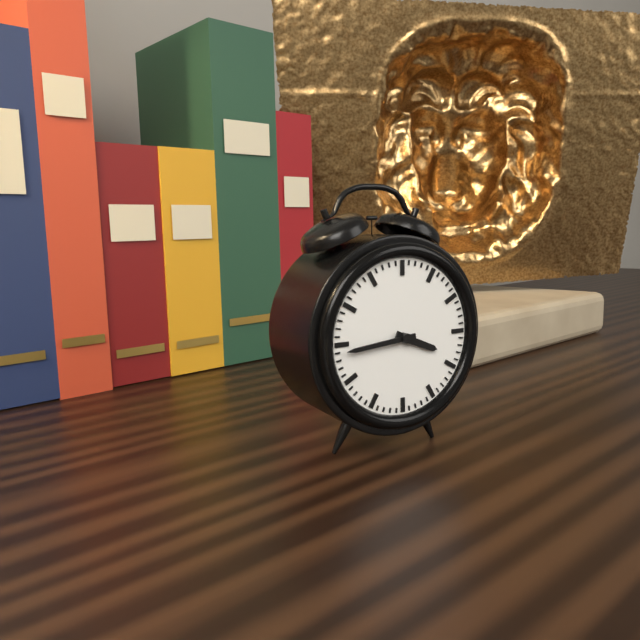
3:44
